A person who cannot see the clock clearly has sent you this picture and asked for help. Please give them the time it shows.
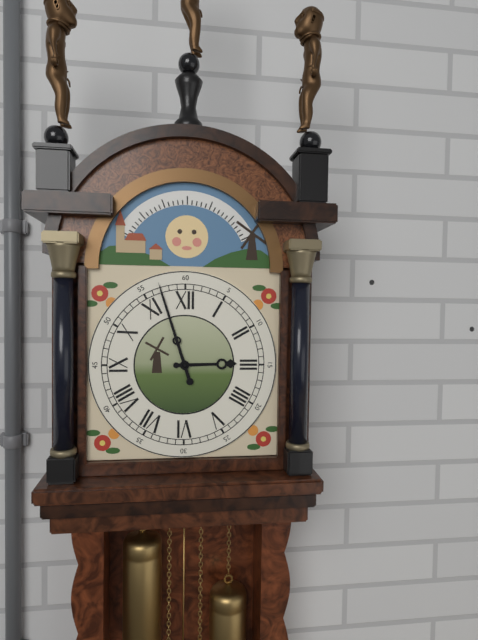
2:57
